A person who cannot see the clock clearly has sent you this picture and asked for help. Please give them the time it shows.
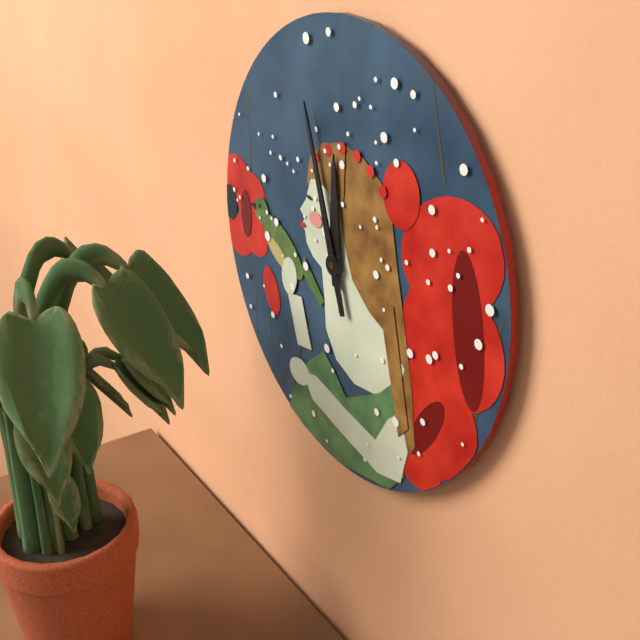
11:57
